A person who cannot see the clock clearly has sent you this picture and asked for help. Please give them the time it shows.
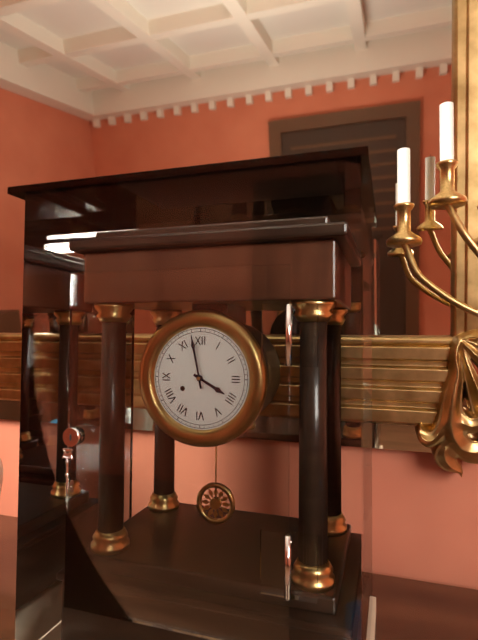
3:58
